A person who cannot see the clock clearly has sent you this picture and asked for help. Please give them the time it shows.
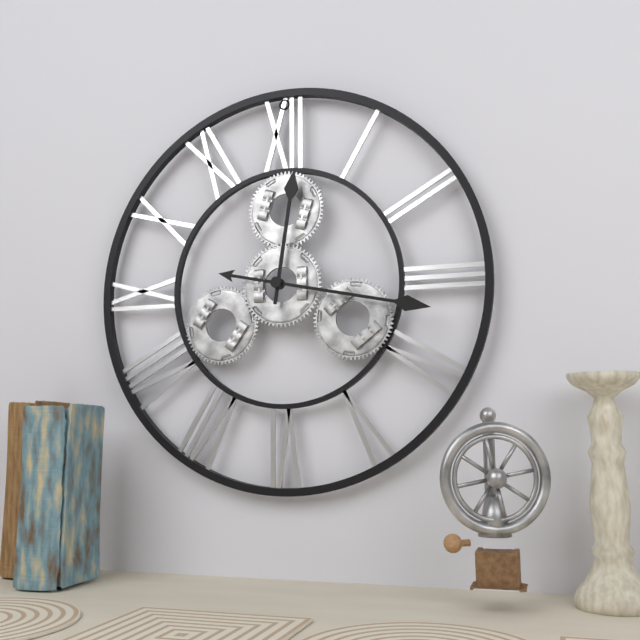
12:17
